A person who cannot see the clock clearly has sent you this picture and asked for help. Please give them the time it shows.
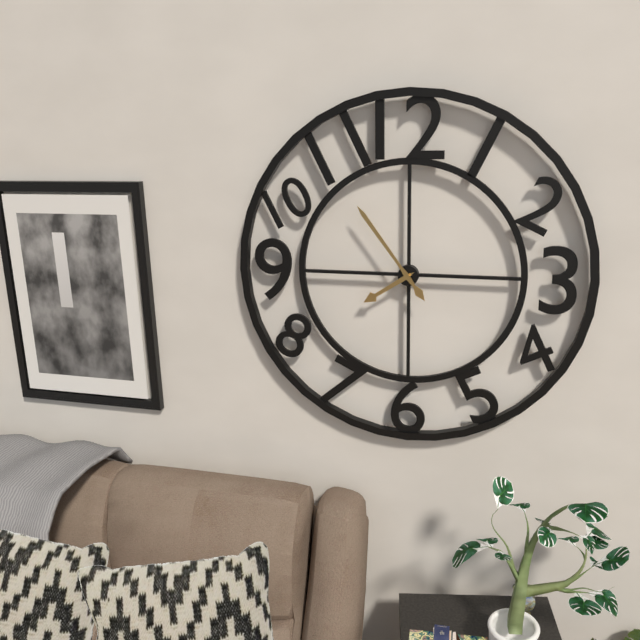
7:54
